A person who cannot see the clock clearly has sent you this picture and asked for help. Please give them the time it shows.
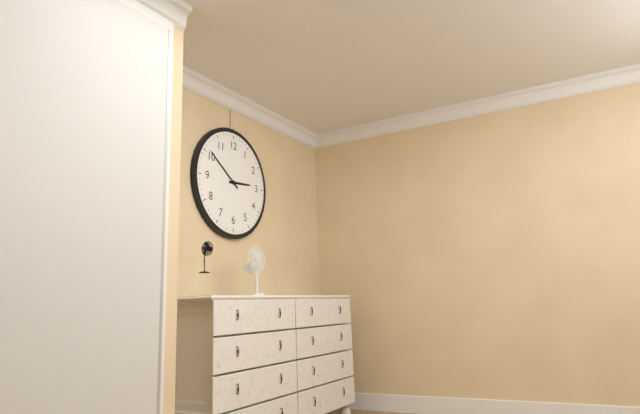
2:51
